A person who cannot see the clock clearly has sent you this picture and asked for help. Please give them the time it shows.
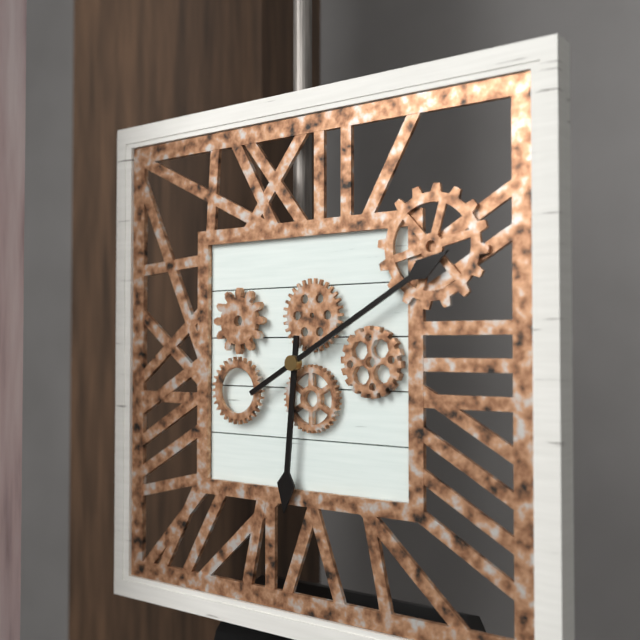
6:10
